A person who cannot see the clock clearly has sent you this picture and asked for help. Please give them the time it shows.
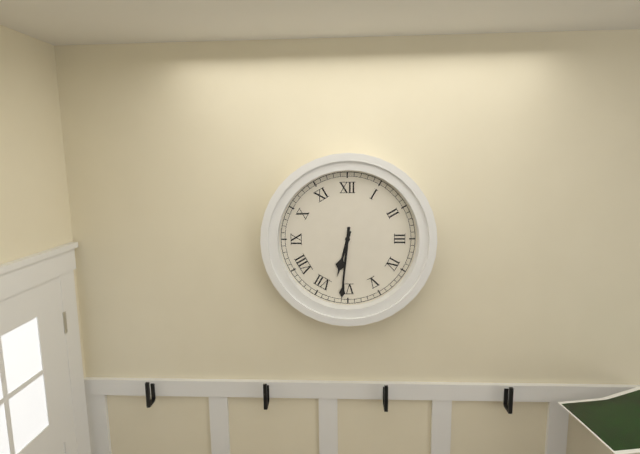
6:31
